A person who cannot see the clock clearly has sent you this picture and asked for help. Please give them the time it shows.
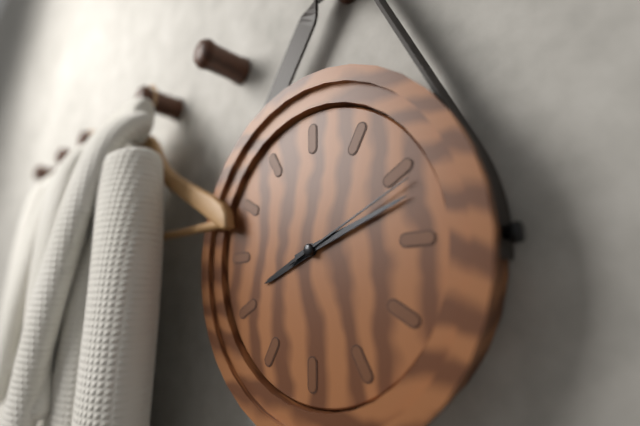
8:12:11
